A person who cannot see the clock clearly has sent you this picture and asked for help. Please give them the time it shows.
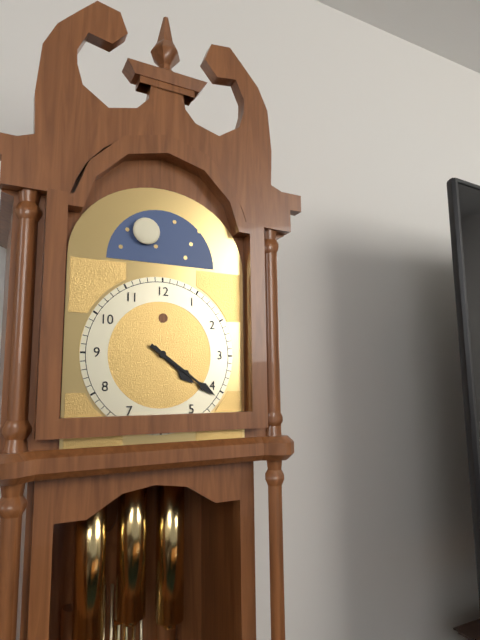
4:21
